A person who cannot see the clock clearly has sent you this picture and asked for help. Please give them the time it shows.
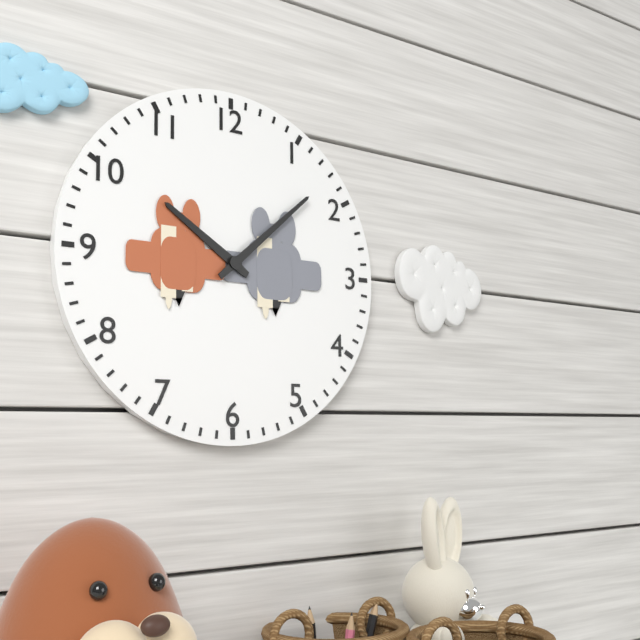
10:08
